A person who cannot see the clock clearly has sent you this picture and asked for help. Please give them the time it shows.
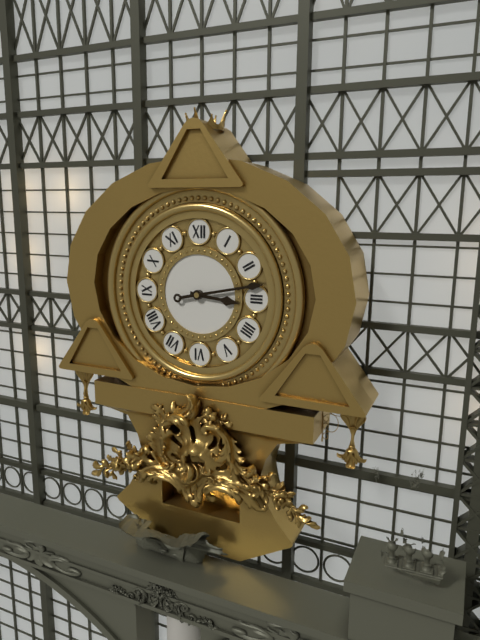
3:13
